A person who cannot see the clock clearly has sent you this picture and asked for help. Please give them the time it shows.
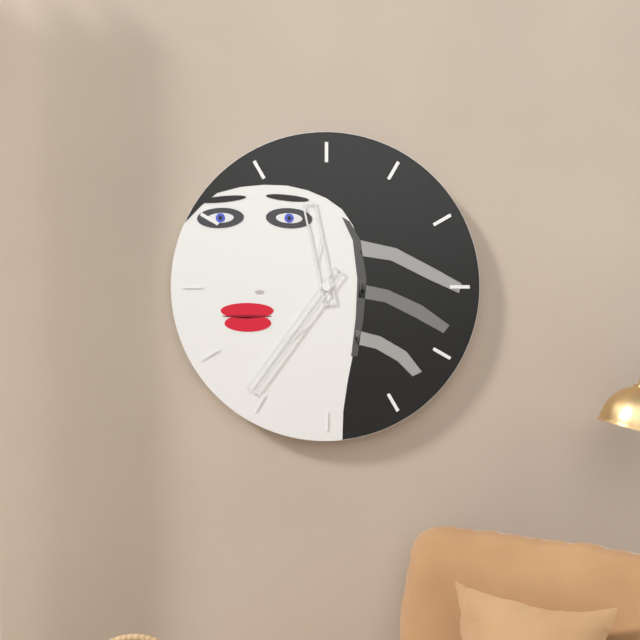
11:36
